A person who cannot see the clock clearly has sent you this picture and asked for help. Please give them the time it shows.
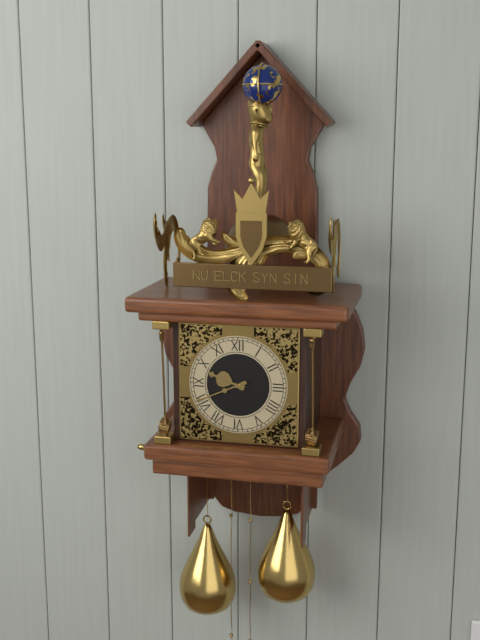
9:41
